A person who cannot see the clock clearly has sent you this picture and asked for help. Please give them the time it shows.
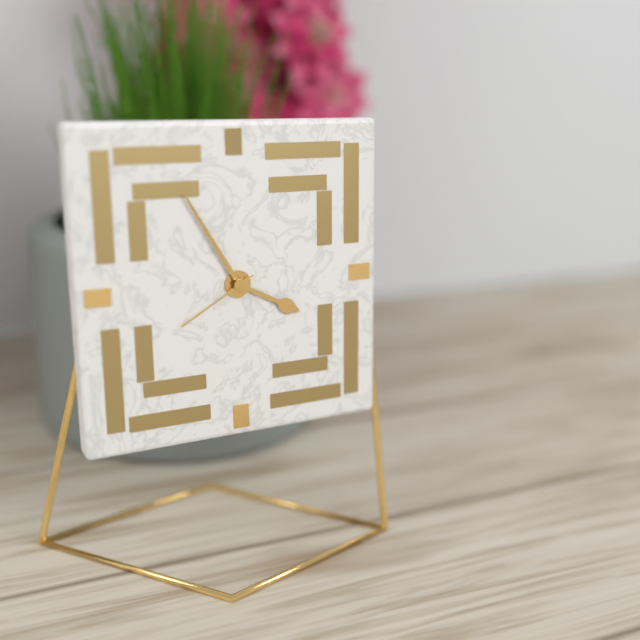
3:55:40
